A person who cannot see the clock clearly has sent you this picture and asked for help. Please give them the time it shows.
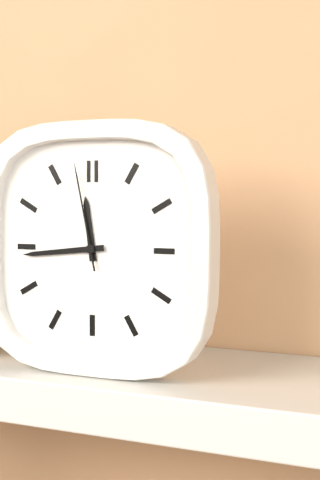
11:44:58
